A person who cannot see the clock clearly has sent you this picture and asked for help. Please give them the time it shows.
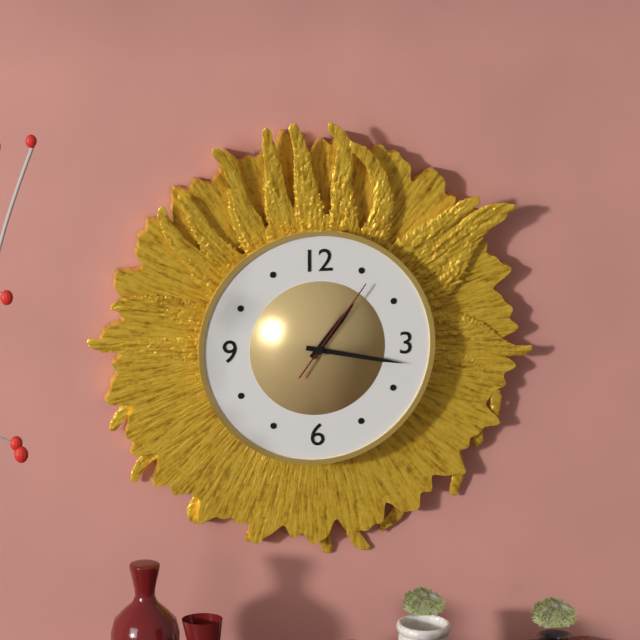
1:17:06
